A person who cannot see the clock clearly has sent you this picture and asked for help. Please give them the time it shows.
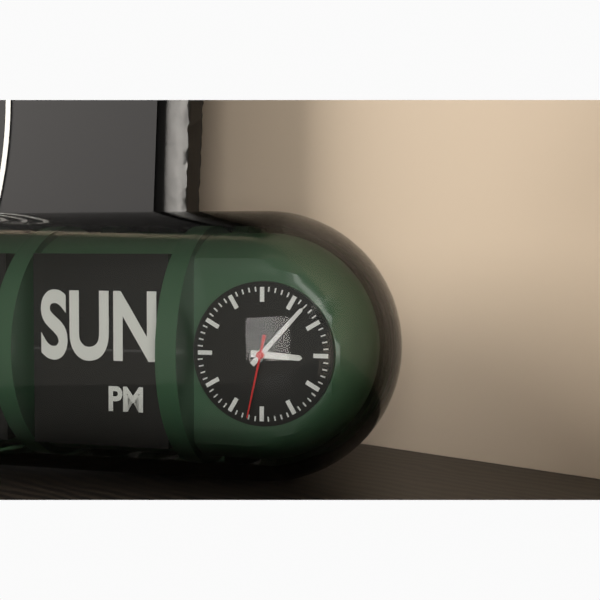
3:07:32
